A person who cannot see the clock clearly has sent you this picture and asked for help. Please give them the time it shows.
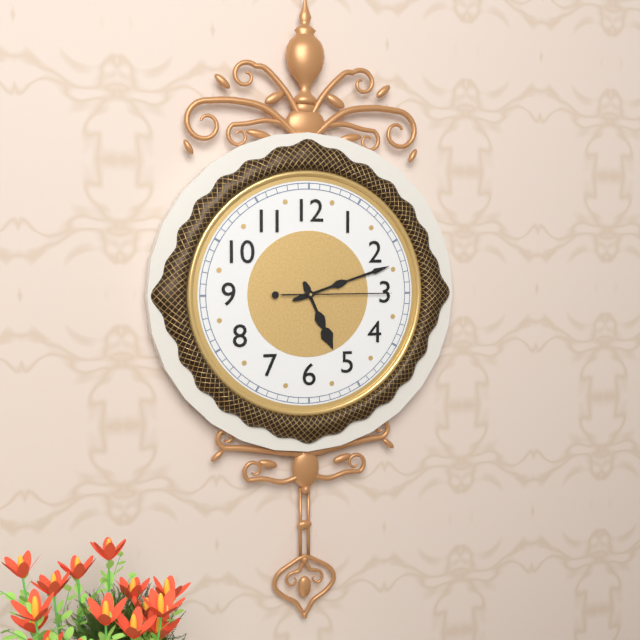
5:12:15
